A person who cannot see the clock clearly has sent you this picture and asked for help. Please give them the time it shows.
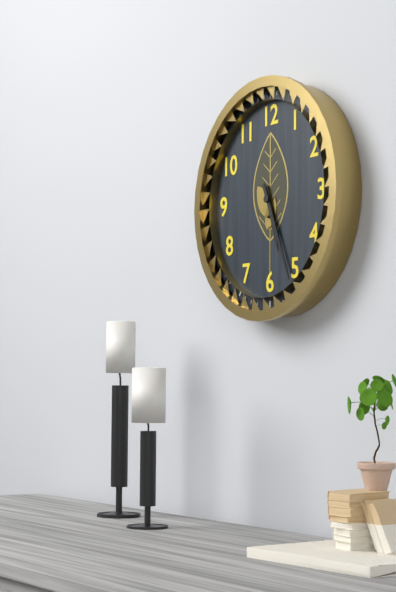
5:26
